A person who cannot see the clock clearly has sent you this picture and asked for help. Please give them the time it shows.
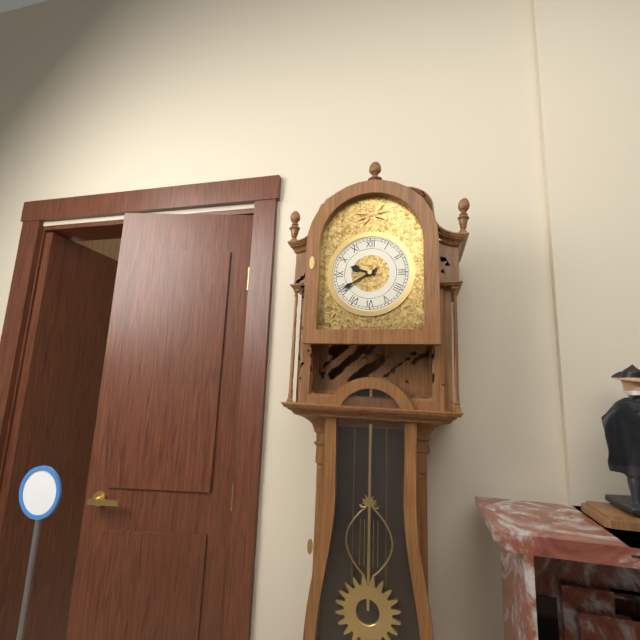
9:40
